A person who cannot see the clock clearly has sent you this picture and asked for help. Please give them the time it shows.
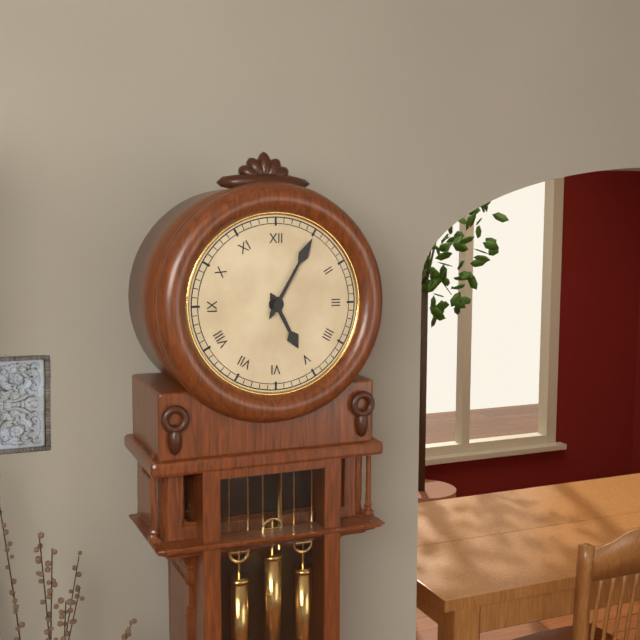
5:05
